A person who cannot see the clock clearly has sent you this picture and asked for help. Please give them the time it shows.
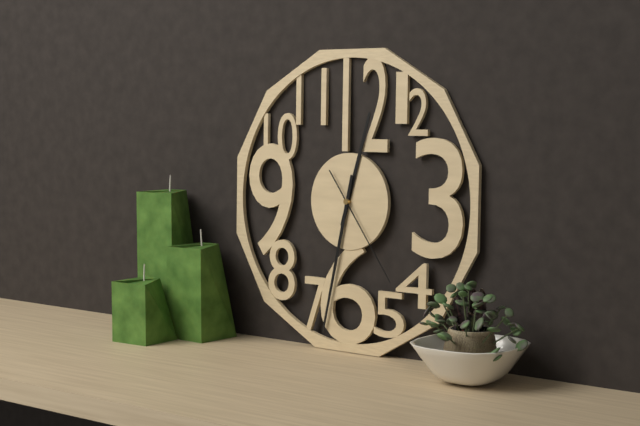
12:32:24
